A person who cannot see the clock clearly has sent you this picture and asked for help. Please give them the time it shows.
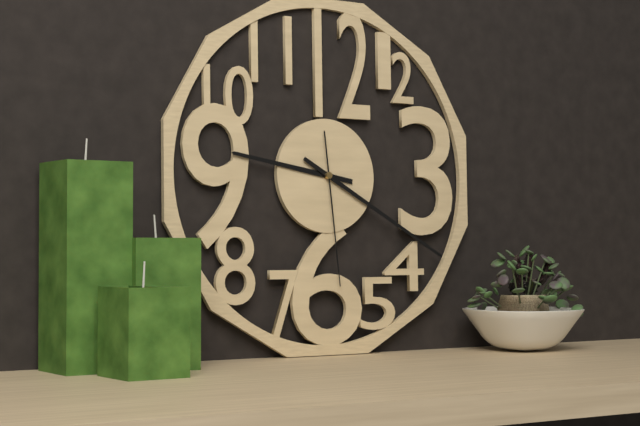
9:20:29
